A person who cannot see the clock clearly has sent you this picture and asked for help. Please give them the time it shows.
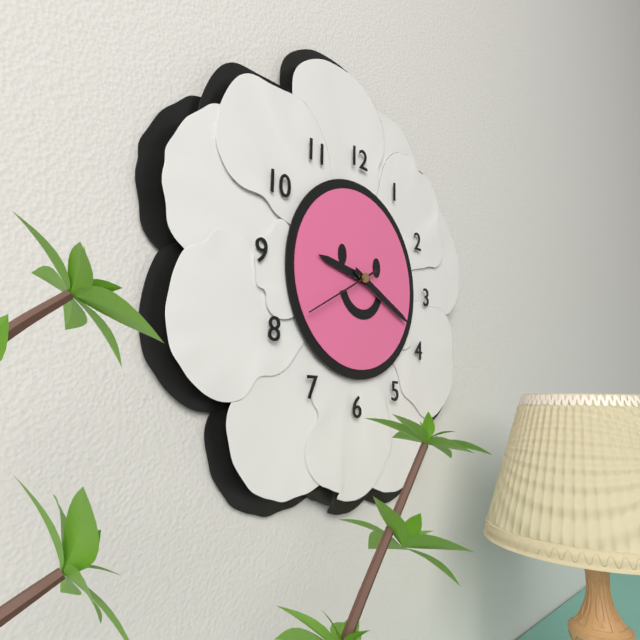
9:19:40
